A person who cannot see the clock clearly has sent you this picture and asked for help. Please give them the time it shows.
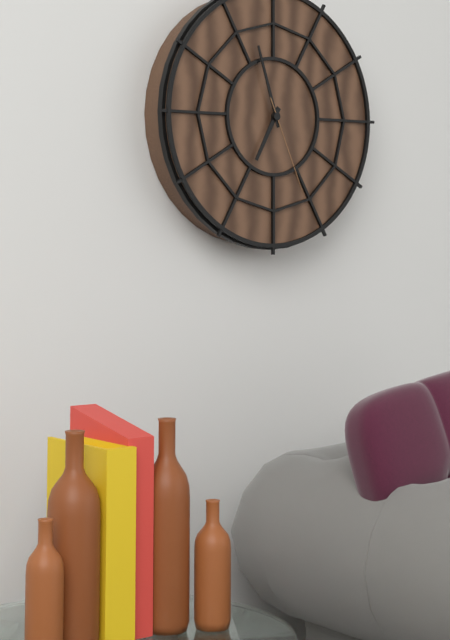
6:57:26
